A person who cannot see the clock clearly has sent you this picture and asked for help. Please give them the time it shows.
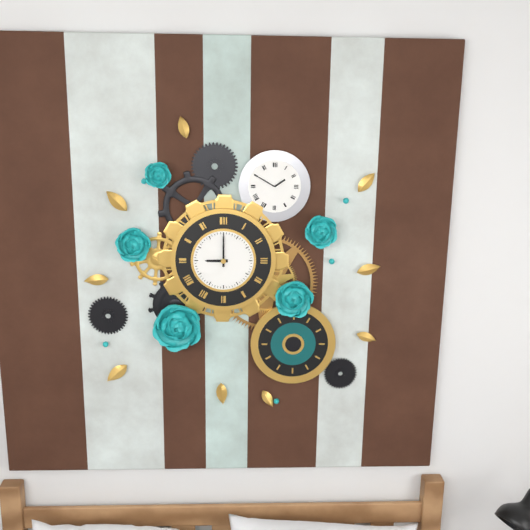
9:00
